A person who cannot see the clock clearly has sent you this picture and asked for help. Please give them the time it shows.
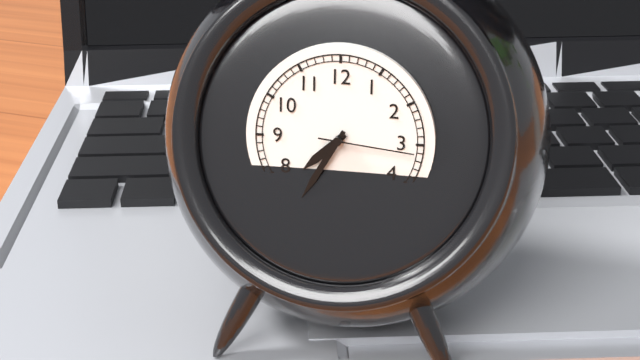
7:35:16
